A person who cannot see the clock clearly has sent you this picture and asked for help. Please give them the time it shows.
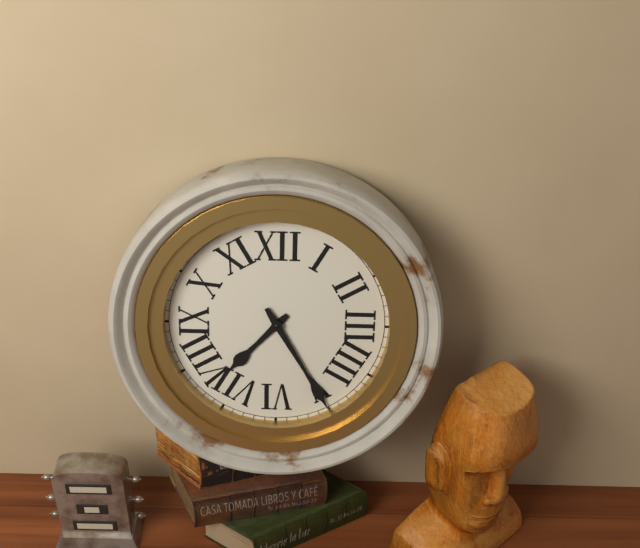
7:25
